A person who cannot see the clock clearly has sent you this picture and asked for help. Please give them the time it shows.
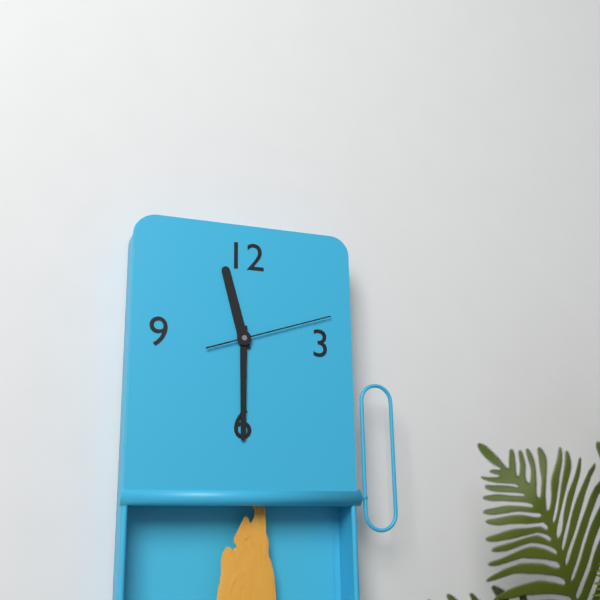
11:30:12
